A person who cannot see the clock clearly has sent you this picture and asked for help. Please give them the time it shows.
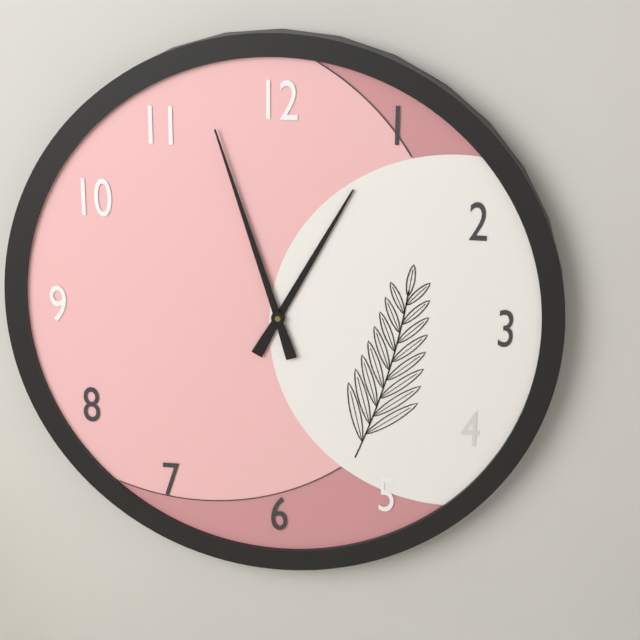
12:57
